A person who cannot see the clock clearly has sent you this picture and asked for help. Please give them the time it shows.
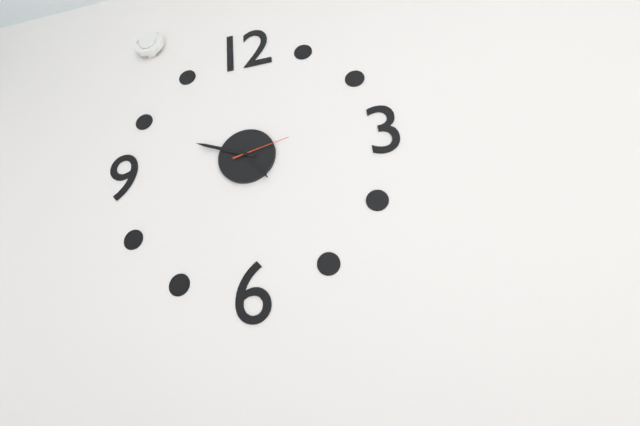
4:49:13
